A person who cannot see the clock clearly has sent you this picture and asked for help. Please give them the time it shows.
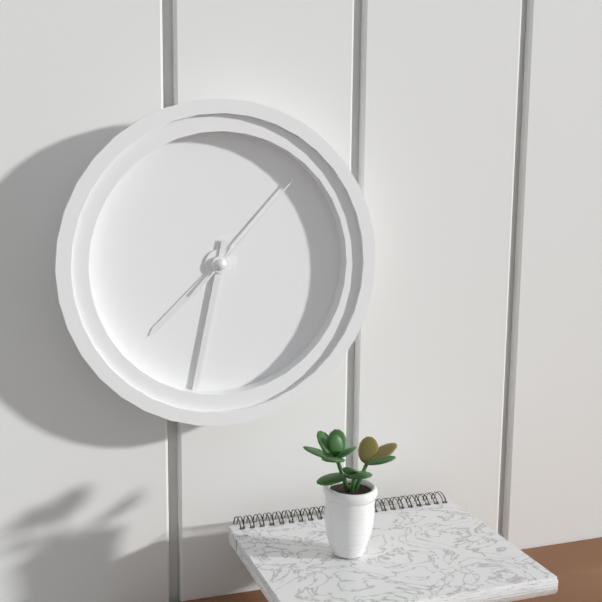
7:32:07
